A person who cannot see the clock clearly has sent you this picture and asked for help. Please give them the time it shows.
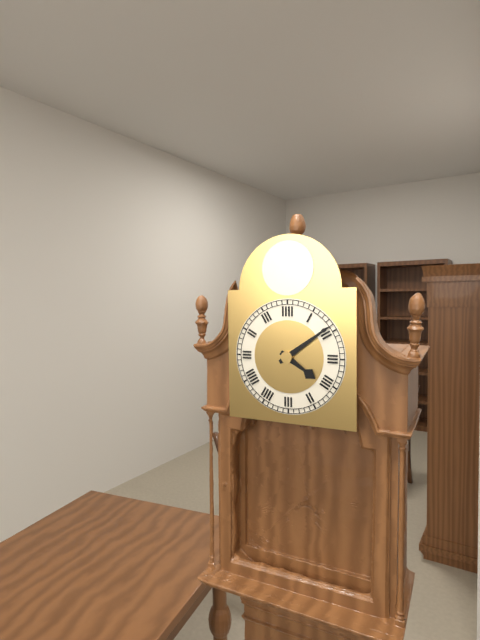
4:09
